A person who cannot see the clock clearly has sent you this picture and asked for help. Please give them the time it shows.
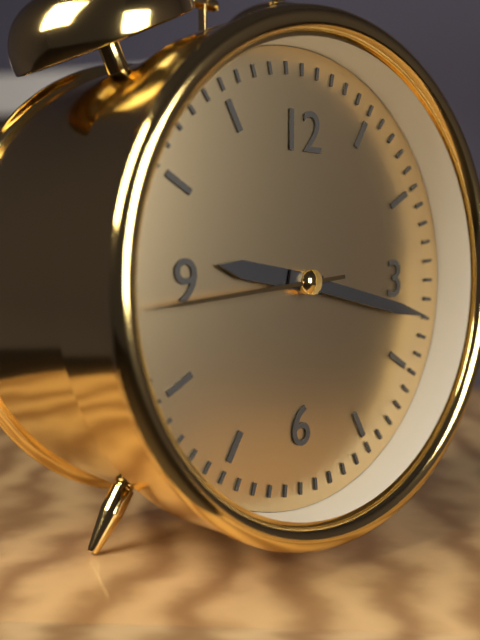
9:17:44
